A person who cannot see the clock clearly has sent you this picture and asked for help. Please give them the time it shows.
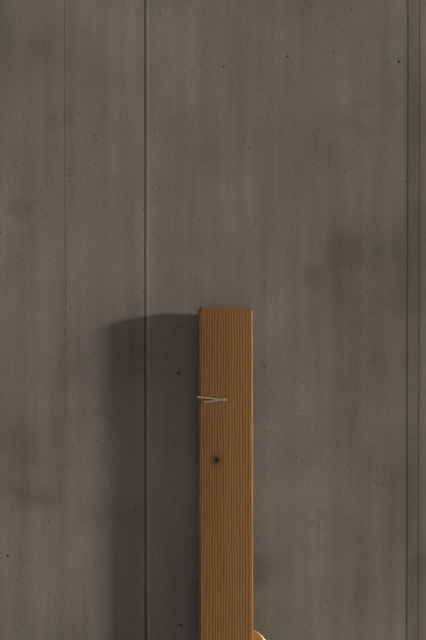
8:46
